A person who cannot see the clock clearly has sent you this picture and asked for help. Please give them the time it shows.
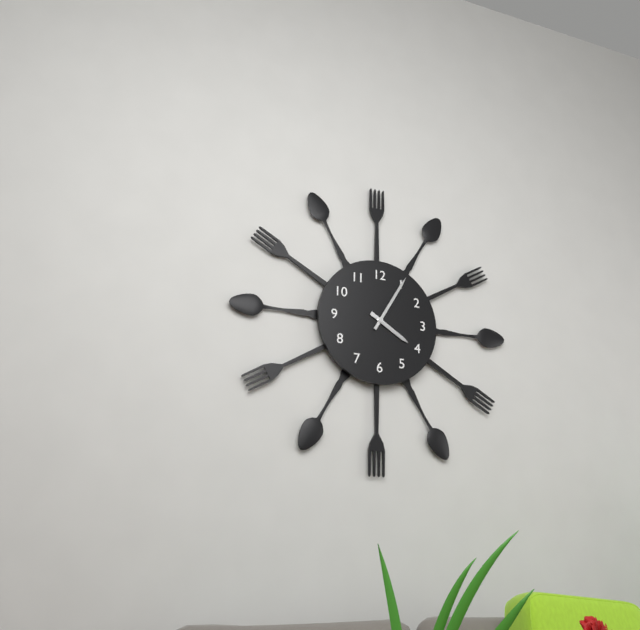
4:05
